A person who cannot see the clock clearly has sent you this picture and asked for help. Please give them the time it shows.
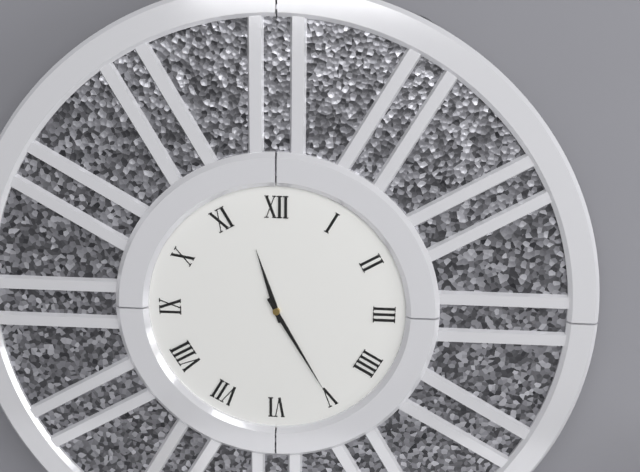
11:25
